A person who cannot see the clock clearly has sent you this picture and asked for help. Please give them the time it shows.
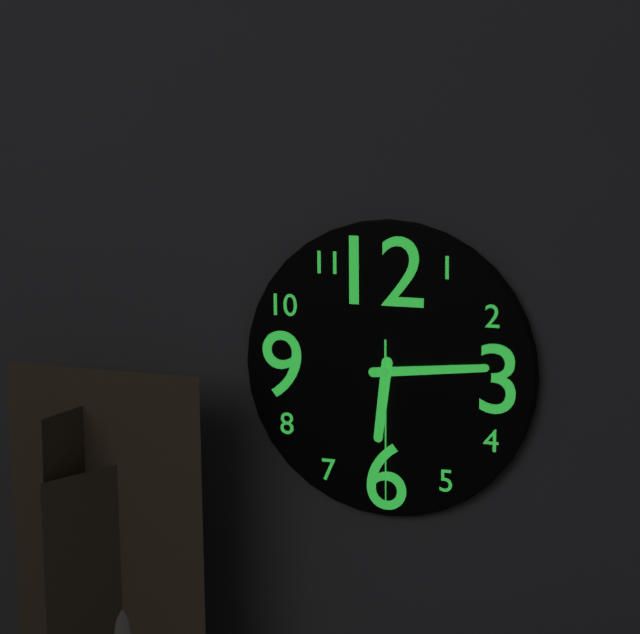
6:14:30
